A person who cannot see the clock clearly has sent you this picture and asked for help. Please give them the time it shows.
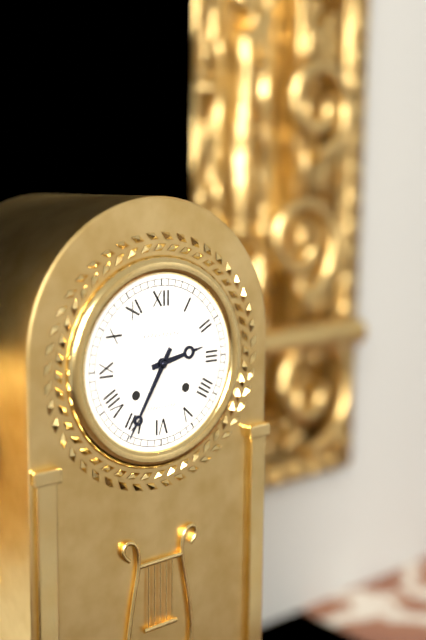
2:35
